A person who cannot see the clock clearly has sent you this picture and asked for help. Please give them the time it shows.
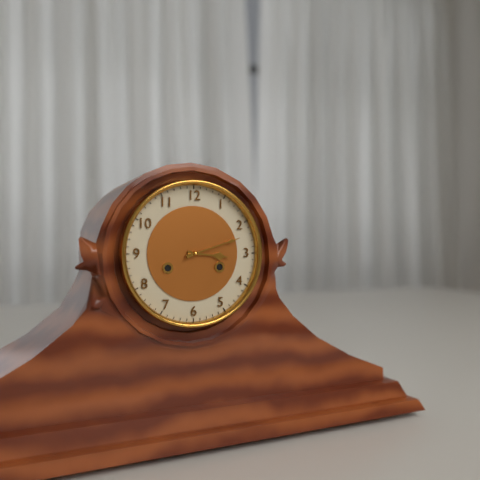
3:12
